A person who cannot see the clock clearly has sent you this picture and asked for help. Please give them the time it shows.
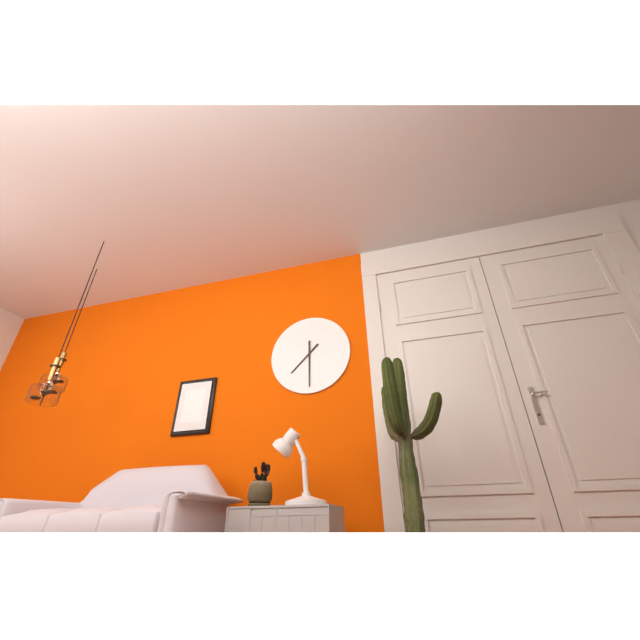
7:30
